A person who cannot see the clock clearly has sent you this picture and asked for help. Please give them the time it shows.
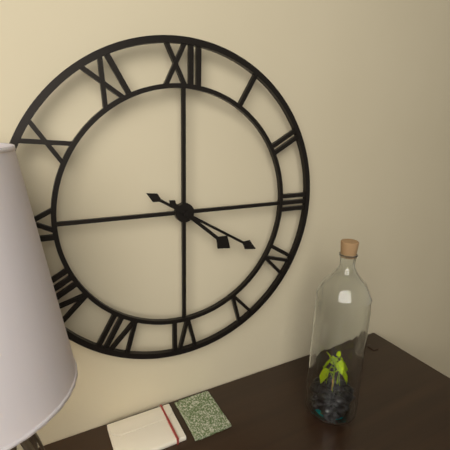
4:20
